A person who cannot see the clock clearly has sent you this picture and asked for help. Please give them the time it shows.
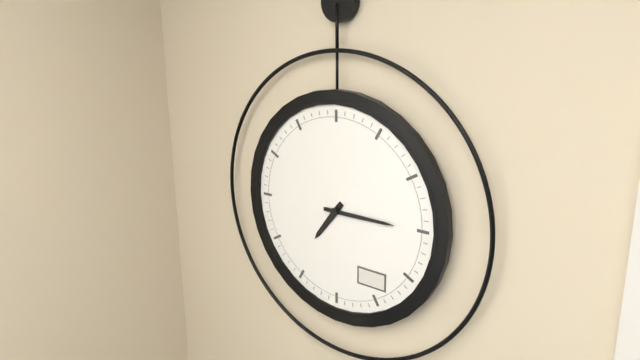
7:15
